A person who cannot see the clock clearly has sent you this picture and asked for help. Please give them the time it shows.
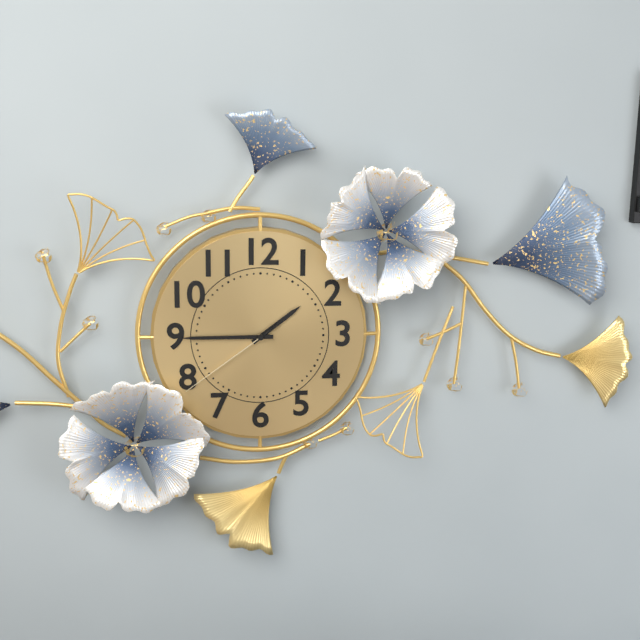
1:45:39
